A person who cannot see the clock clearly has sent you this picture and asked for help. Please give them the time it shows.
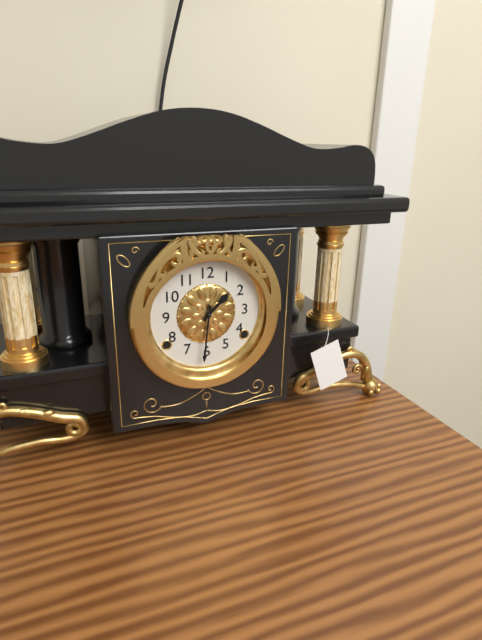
1:31
